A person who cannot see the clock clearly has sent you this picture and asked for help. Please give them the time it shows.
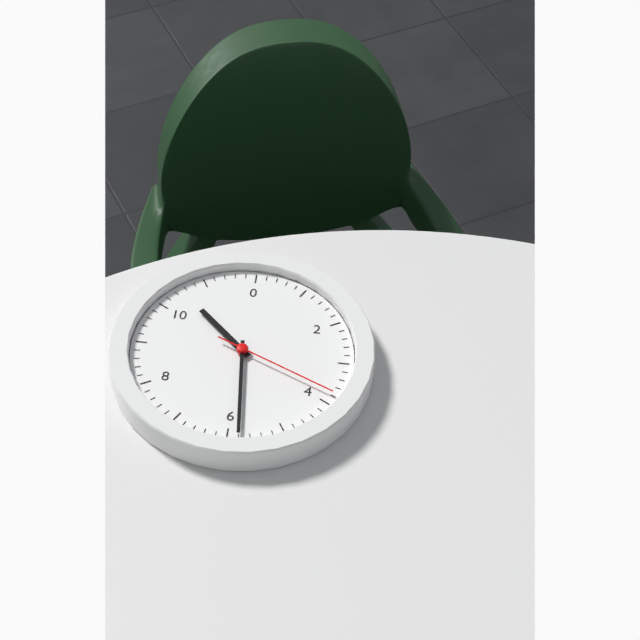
10:29:19
